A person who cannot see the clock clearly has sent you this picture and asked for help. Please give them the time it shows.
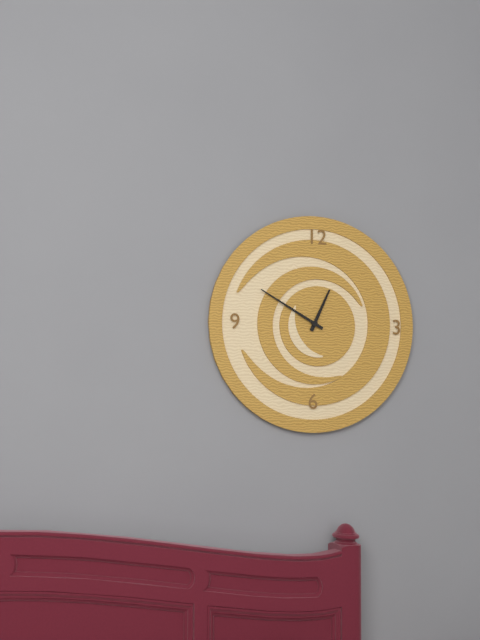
12:50
